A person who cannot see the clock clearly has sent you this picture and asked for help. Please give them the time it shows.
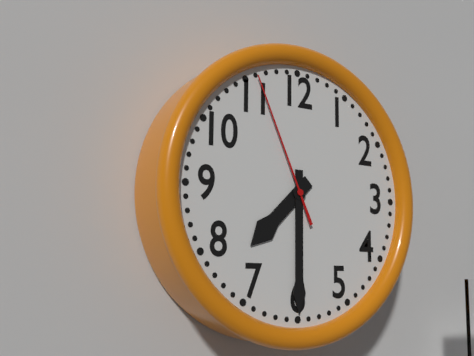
7:30:56
